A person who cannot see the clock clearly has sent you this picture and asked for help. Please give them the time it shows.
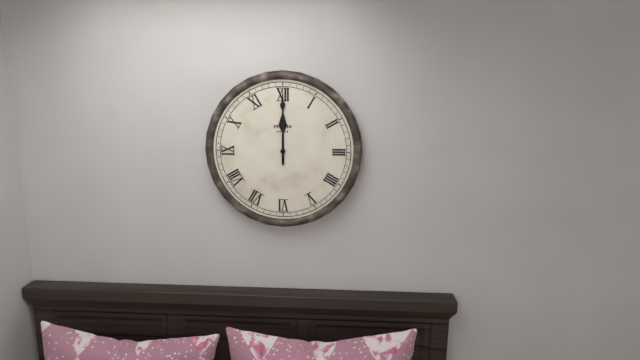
12:00
